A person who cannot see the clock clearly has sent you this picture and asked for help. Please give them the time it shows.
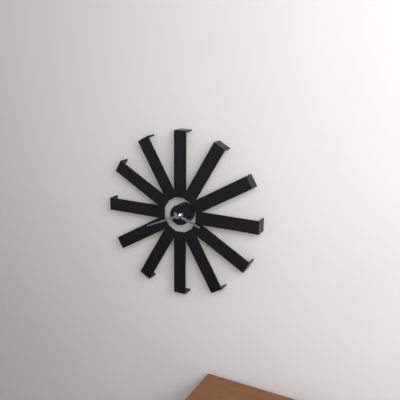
3:41
